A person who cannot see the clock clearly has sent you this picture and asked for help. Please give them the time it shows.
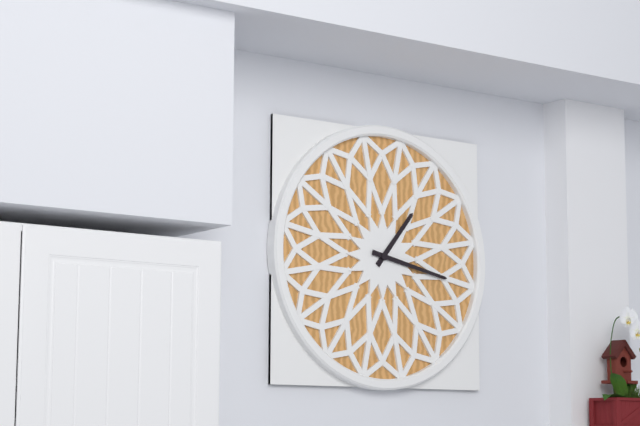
1:17
